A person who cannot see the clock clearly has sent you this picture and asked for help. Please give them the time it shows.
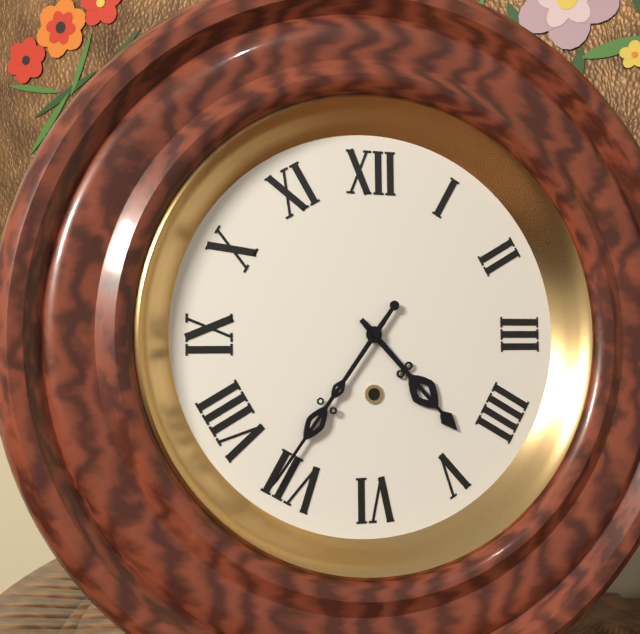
4:36
